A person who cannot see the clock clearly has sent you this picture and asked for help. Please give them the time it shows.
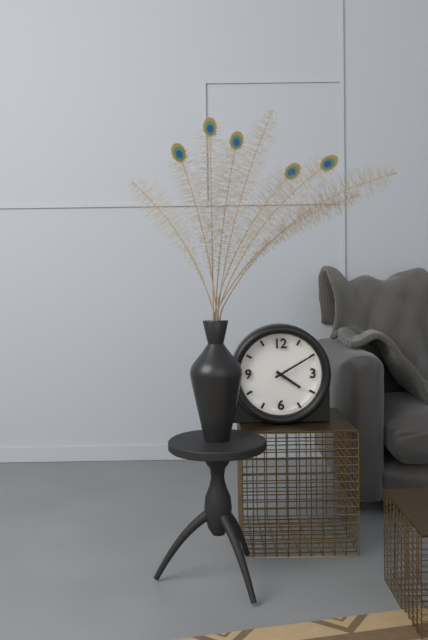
4:10
